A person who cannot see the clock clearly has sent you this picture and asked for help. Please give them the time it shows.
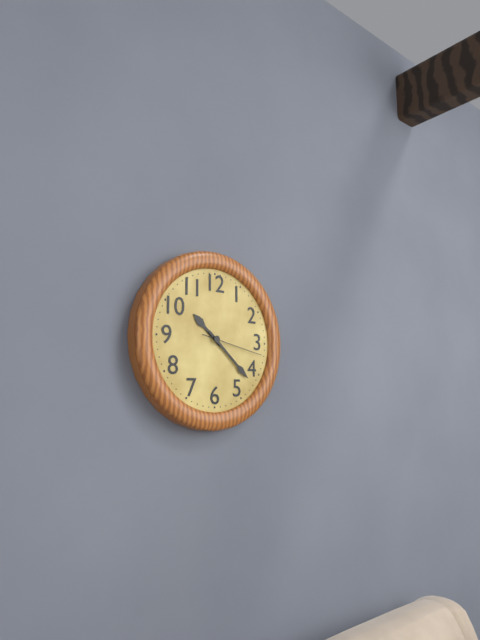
10:22:17
